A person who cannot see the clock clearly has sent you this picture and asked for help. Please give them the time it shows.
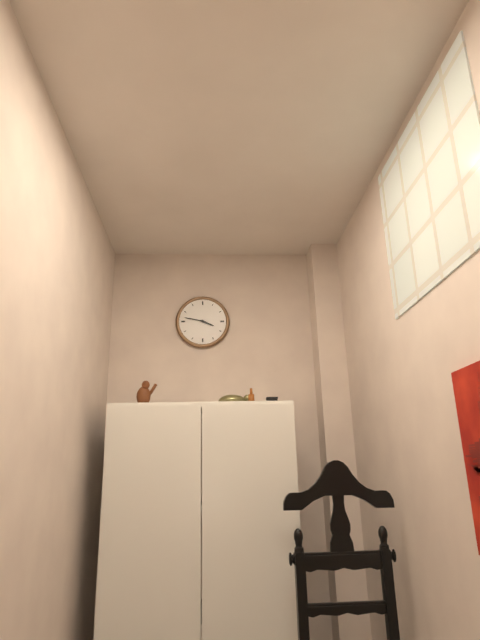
3:47
